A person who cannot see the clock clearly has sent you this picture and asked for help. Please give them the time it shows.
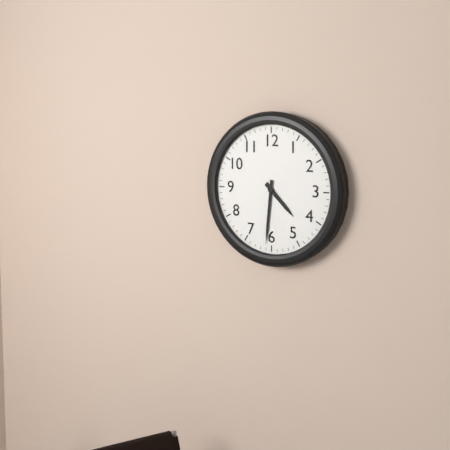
4:31
